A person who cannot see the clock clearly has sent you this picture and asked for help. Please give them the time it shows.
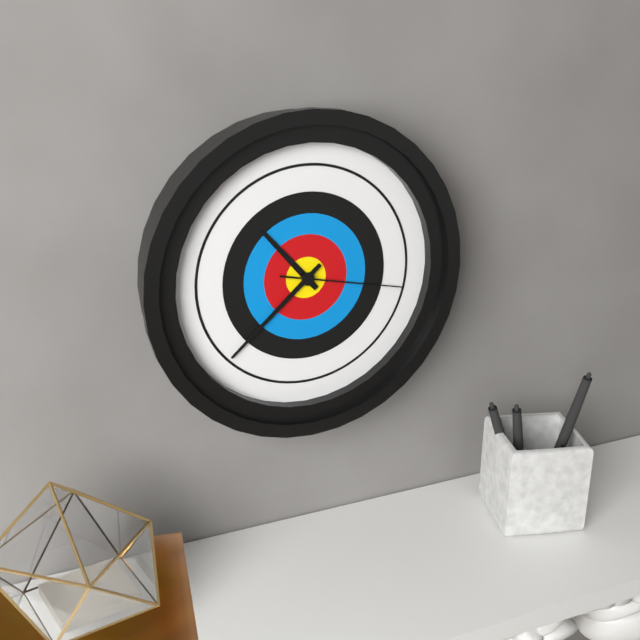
10:38:17
